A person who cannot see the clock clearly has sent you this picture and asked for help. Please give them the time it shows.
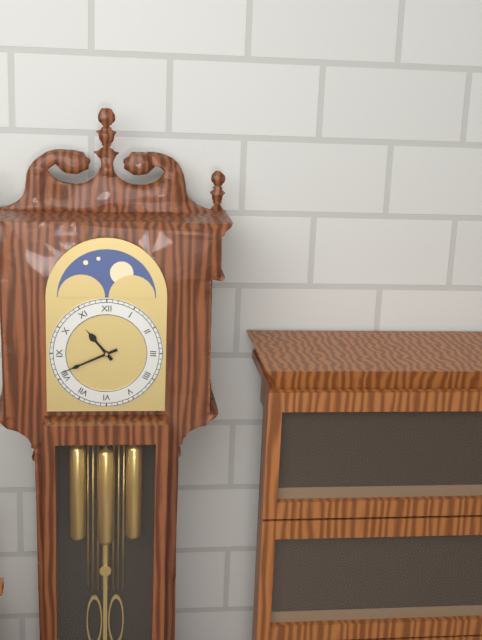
10:41
